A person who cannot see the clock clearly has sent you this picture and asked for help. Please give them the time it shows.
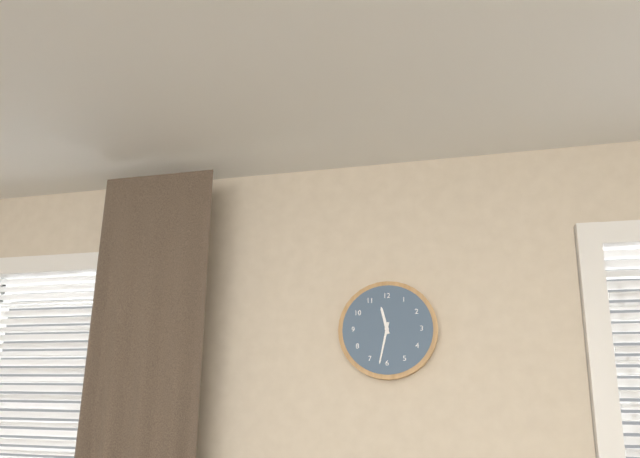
11:32
